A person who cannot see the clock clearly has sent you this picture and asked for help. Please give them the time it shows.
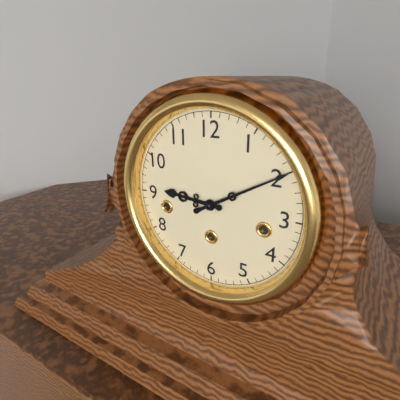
9:10
